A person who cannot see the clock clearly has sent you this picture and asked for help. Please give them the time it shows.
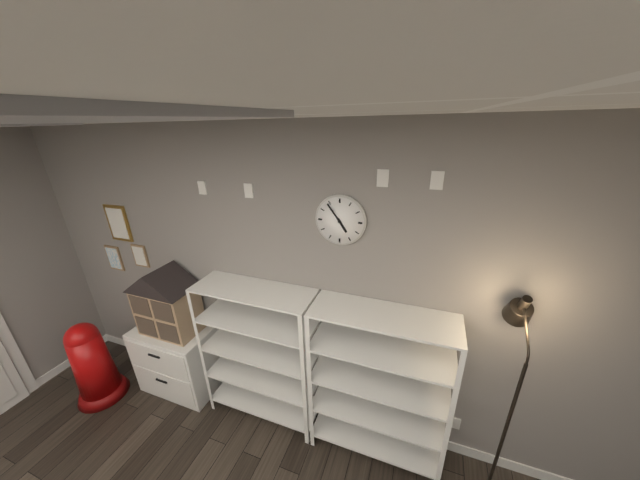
4:54
